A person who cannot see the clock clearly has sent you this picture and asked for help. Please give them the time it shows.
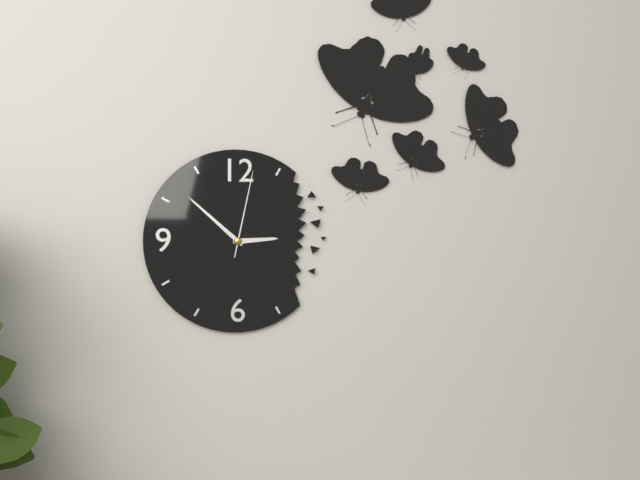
2:52:02
